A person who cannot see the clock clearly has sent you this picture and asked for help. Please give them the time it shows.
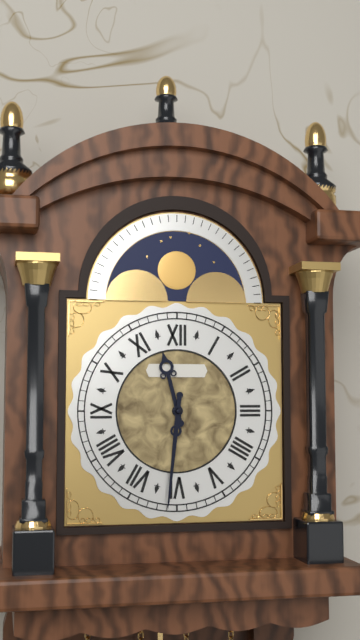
11:31
